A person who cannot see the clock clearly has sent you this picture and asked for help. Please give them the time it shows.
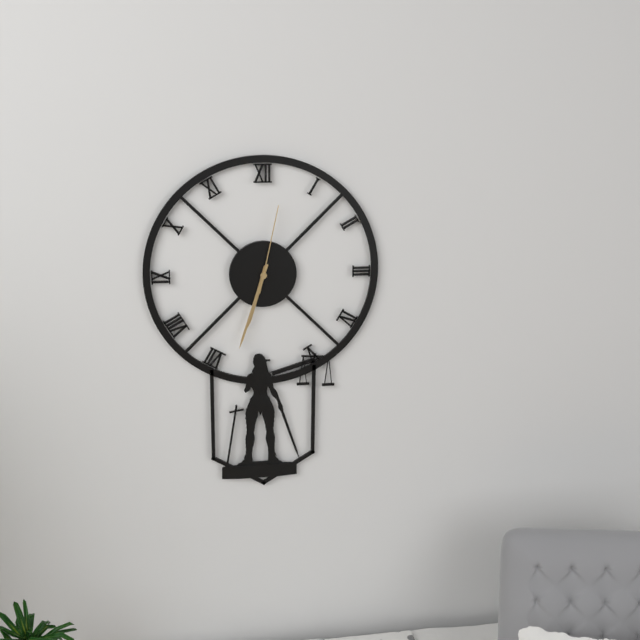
6:33:02
